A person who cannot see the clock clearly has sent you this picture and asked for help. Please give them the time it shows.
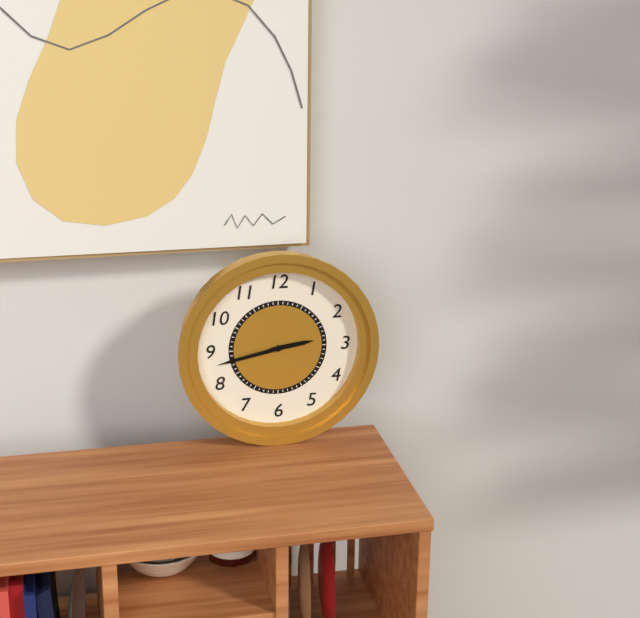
2:43
